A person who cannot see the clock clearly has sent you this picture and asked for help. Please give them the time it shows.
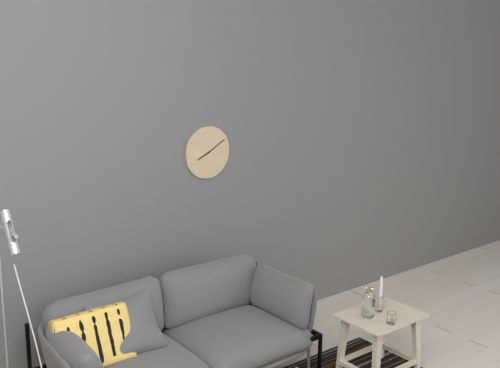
8:10
